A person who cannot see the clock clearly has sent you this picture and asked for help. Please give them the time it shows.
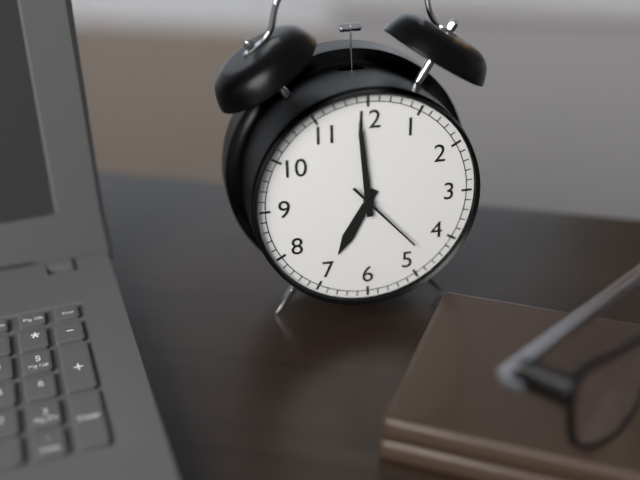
6:59:23
